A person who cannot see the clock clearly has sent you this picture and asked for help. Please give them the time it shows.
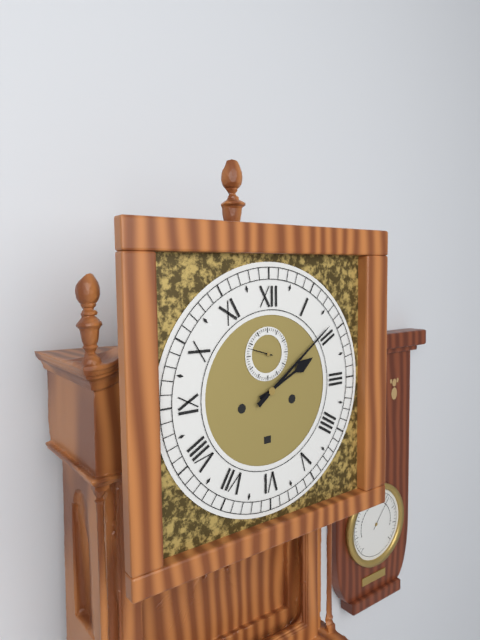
2:09
